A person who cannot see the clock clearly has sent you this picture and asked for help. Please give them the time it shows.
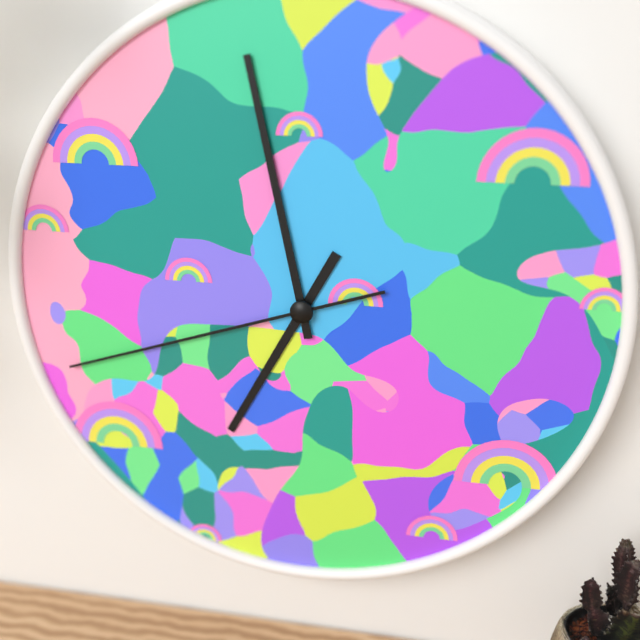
6:58:42
